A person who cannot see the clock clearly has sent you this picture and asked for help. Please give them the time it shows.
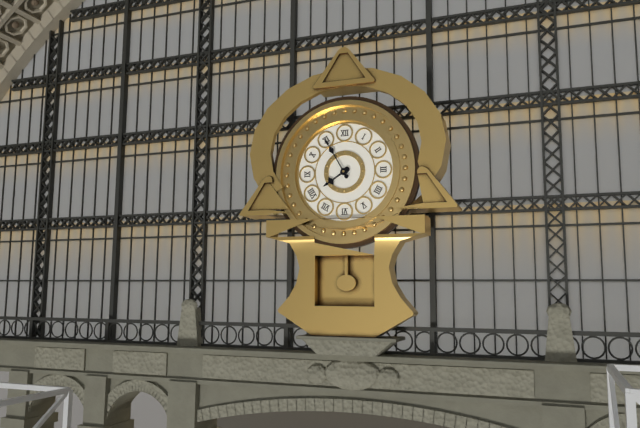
7:55
